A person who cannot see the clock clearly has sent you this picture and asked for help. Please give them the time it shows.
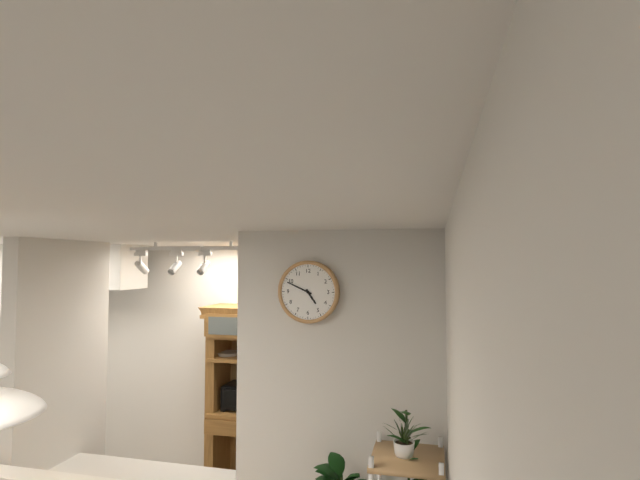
4:49
